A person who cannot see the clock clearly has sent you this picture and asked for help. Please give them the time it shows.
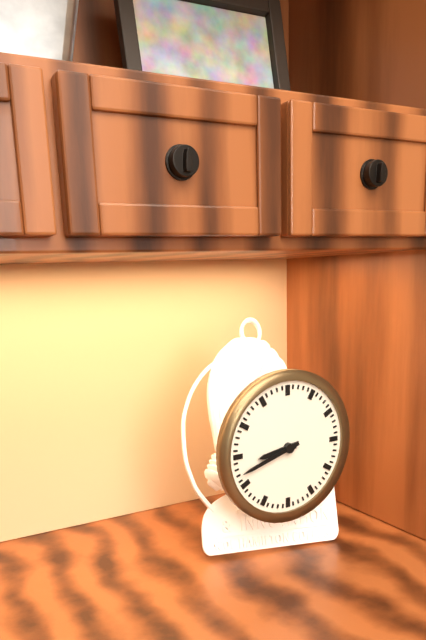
8:42
